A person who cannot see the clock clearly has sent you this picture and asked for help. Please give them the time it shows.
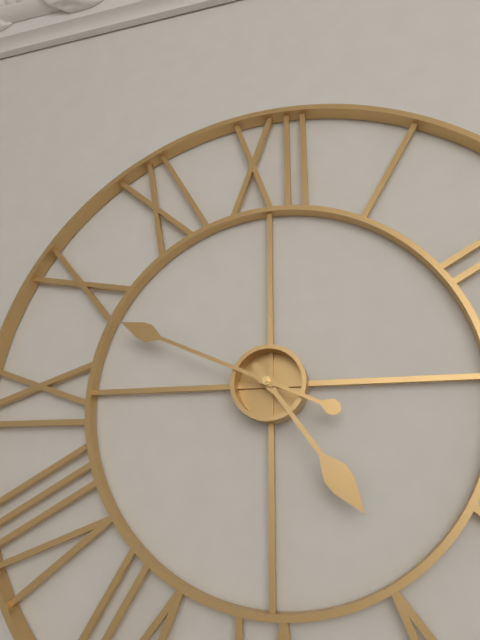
4:49
